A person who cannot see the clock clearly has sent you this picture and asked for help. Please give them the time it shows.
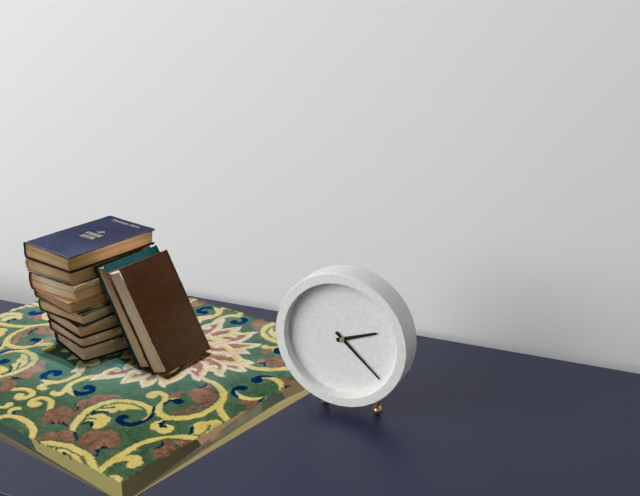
2:22
